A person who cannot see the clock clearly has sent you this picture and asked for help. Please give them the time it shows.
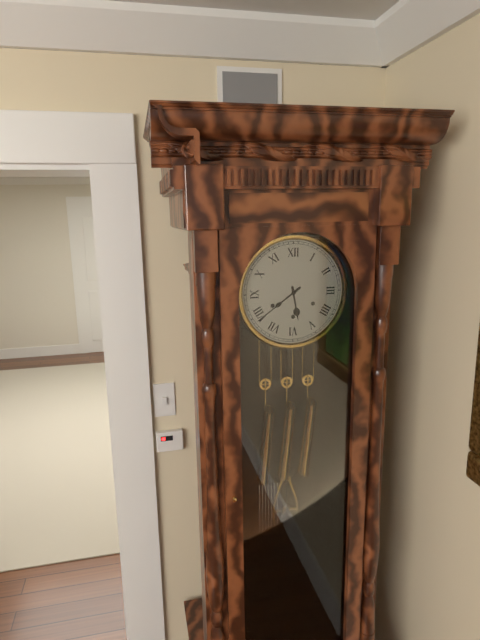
5:39
